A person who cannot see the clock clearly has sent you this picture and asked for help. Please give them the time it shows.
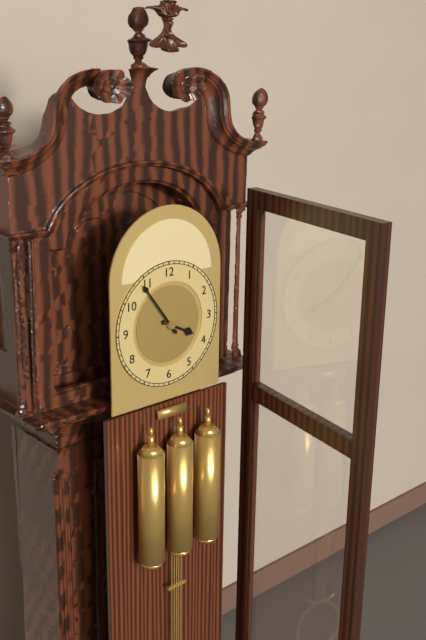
3:54
